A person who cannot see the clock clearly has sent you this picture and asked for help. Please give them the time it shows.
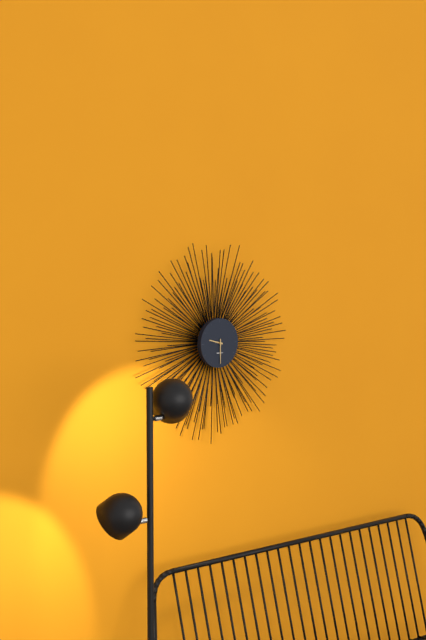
9:30
